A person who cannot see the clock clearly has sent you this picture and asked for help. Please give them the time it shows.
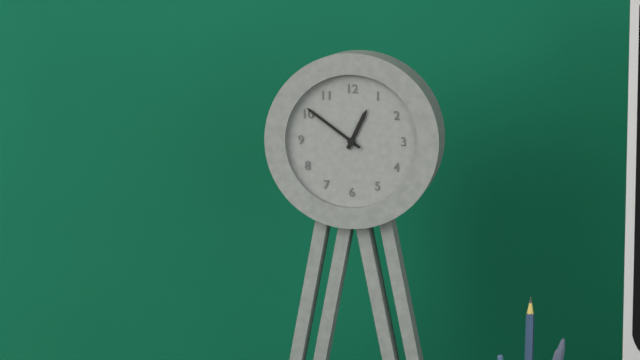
12:51
